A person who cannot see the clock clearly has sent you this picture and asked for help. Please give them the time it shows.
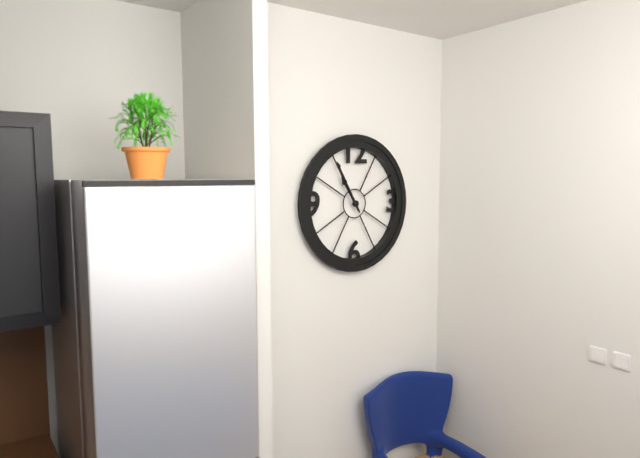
10:55
